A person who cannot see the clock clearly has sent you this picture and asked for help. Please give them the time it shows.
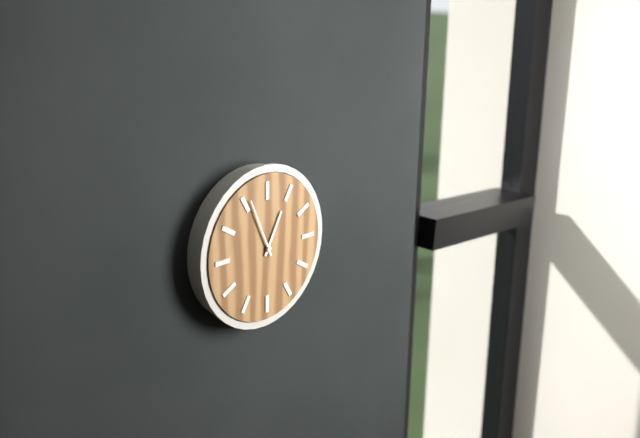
12:56
